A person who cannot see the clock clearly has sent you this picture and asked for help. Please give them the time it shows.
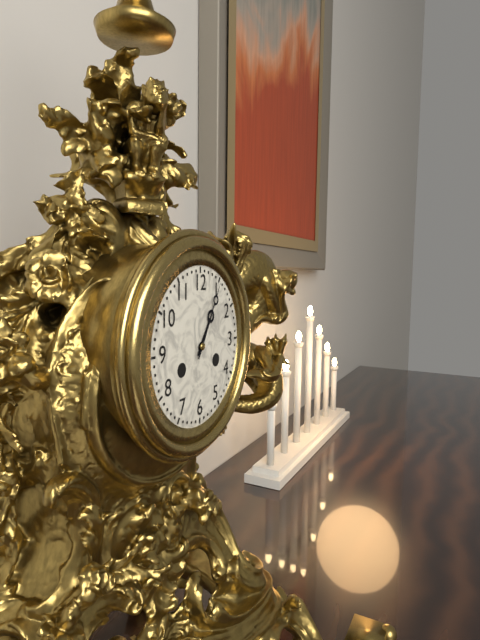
1:05
